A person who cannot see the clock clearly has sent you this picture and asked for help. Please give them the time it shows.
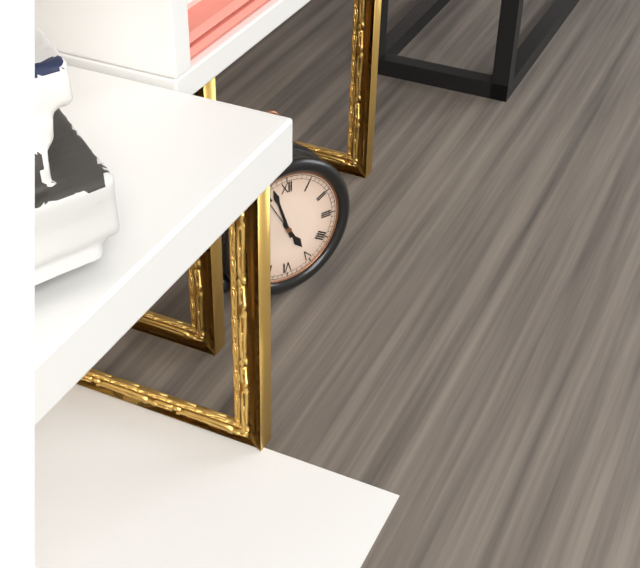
4:57:55
